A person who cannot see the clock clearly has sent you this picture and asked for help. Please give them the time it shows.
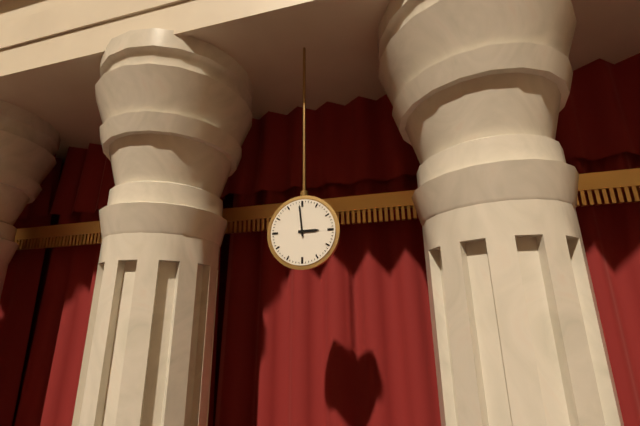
2:59
